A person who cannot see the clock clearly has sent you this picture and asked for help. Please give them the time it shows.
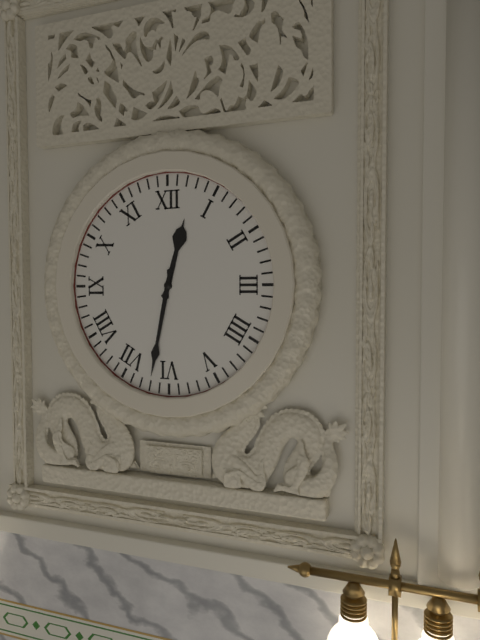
12:32
